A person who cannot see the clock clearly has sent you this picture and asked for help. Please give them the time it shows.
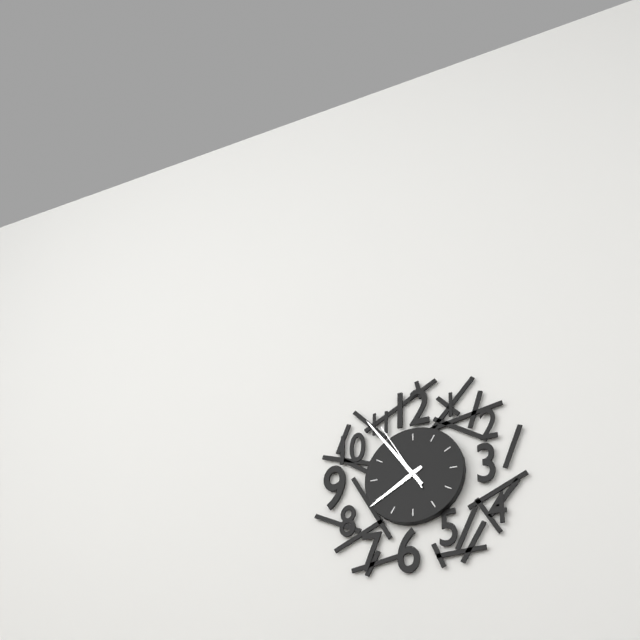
7:54:55
